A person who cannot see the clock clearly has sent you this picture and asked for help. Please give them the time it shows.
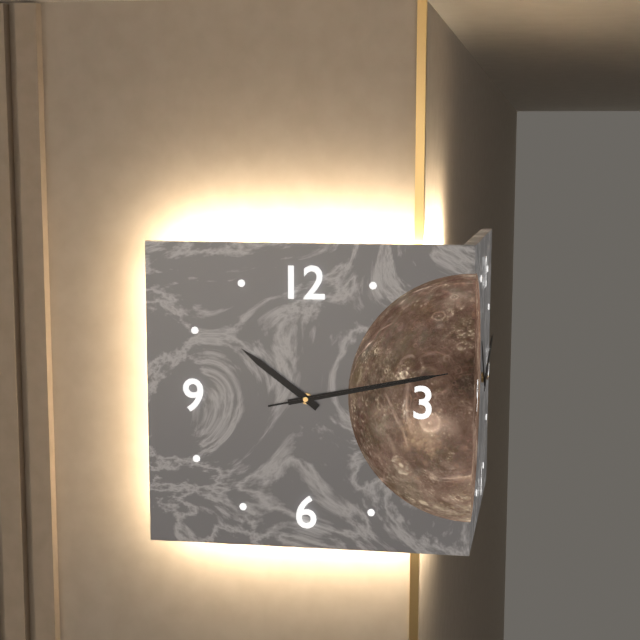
10:13:13
